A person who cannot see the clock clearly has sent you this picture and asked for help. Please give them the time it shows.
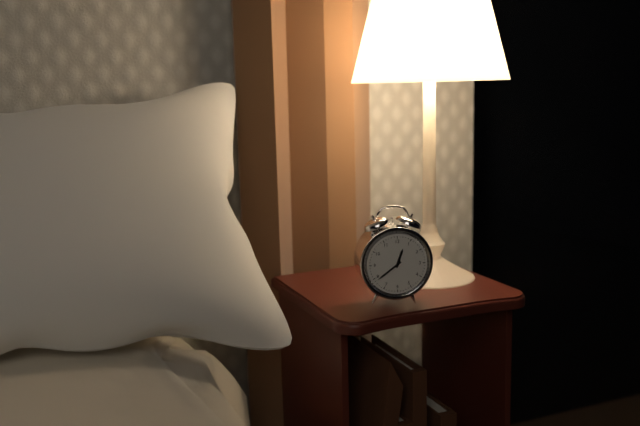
12:39
